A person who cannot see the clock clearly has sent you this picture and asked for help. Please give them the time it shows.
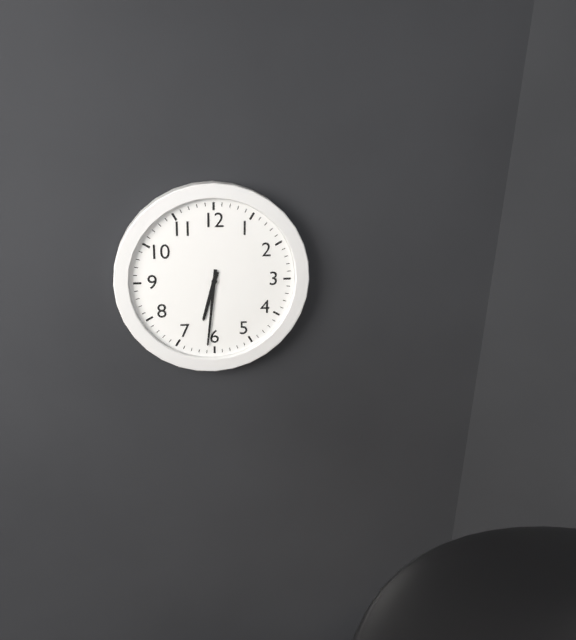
6:31
